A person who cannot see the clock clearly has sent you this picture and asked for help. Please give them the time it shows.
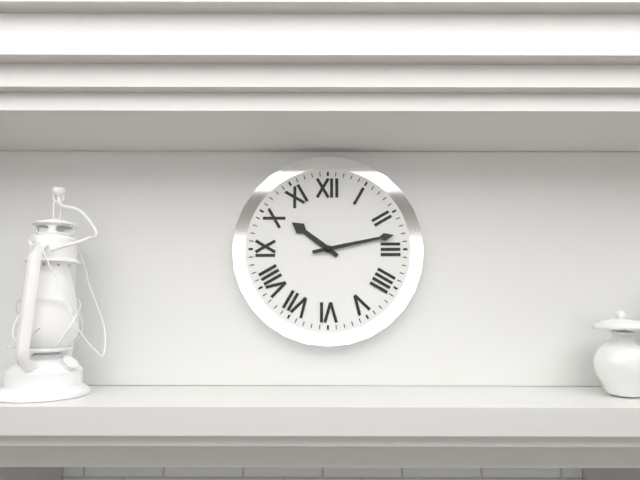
10:13
